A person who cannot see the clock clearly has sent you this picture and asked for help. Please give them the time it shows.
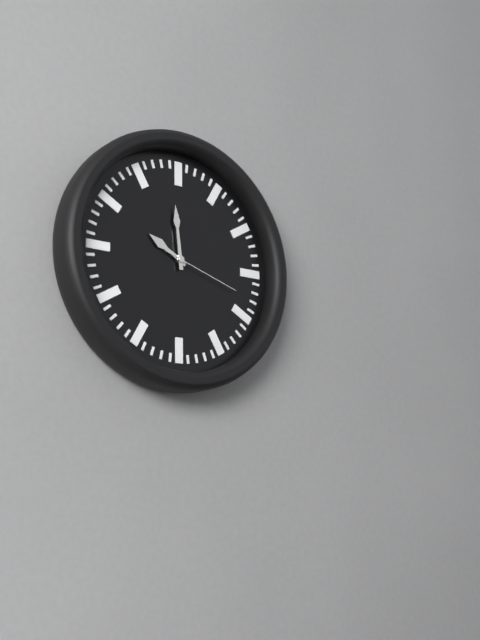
9:59:18
